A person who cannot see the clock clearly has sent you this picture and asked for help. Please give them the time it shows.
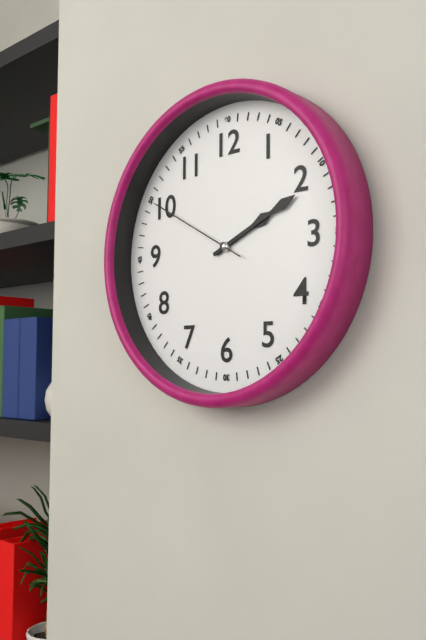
2:11:50
